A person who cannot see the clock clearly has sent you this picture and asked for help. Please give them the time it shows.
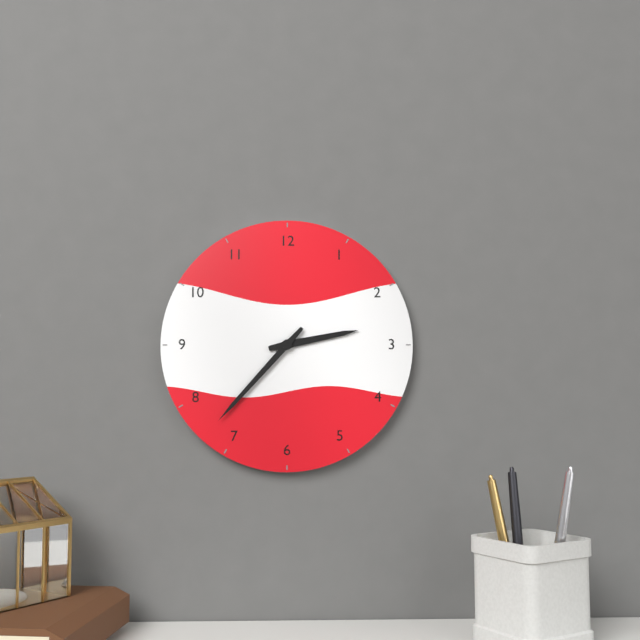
2:37
